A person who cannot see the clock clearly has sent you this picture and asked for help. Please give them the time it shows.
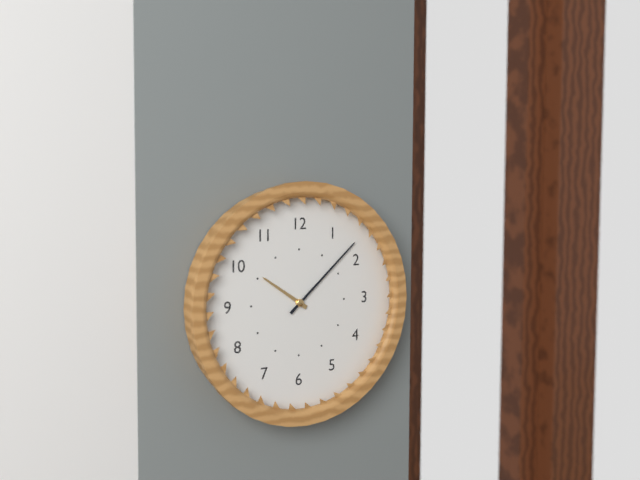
10:08
